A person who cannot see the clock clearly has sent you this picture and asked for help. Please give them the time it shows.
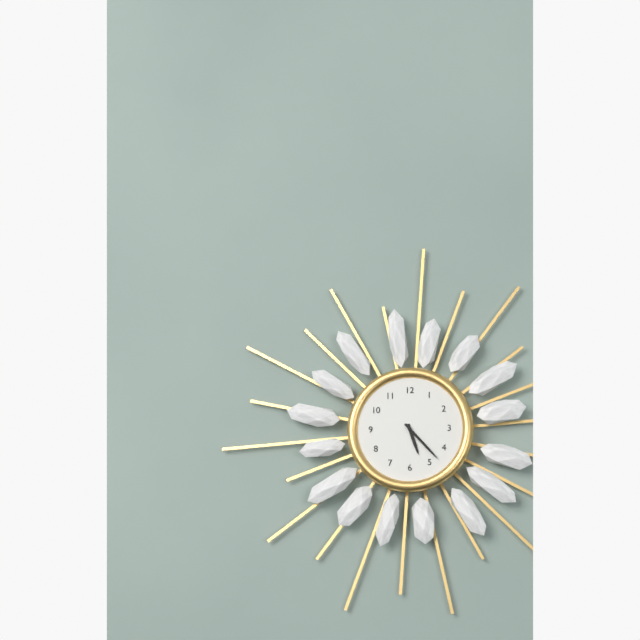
5:23
